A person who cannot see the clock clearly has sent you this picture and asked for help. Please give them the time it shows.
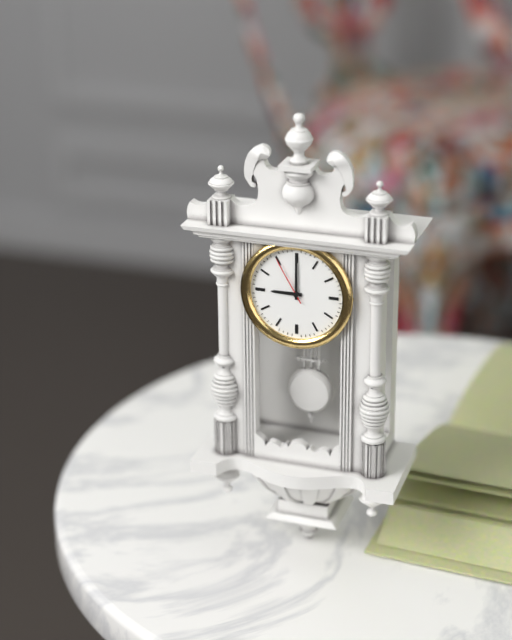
9:00:55
